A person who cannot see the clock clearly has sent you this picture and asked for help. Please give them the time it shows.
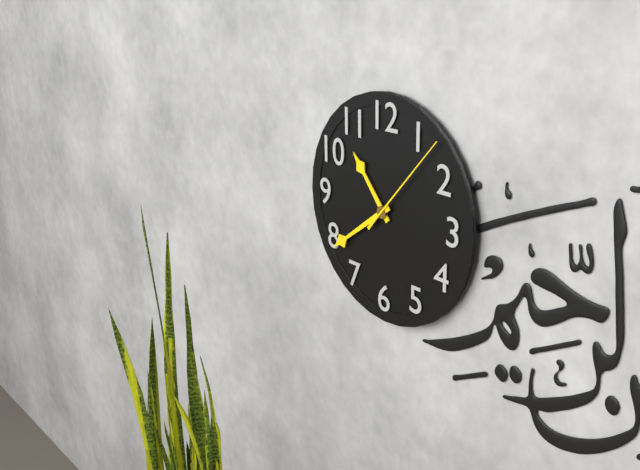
10:39:07
